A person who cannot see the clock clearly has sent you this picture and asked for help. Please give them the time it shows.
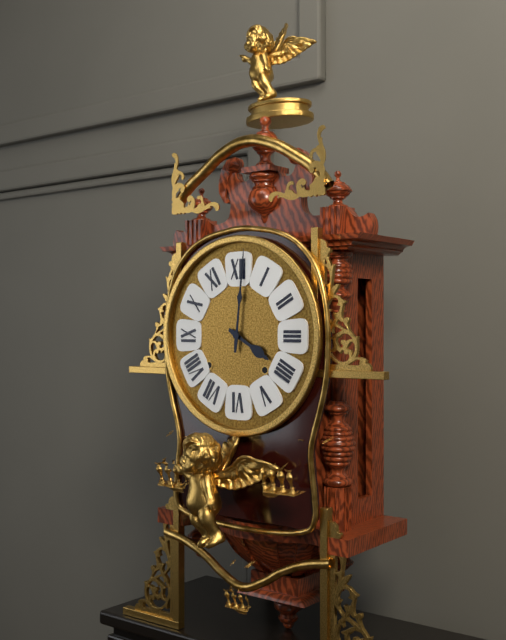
4:01
